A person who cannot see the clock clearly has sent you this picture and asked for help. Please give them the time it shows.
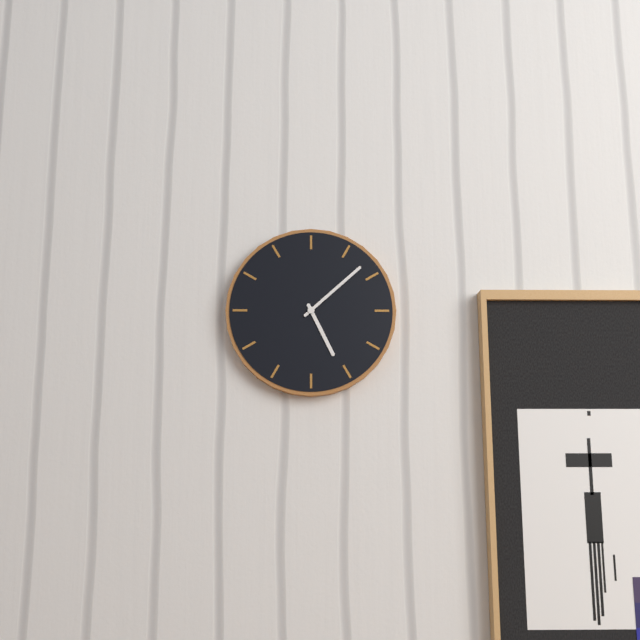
5:08
